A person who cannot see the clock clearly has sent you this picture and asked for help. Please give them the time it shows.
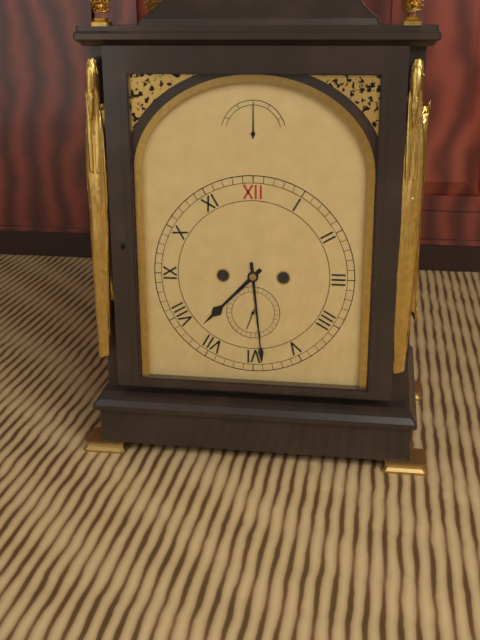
7:29
